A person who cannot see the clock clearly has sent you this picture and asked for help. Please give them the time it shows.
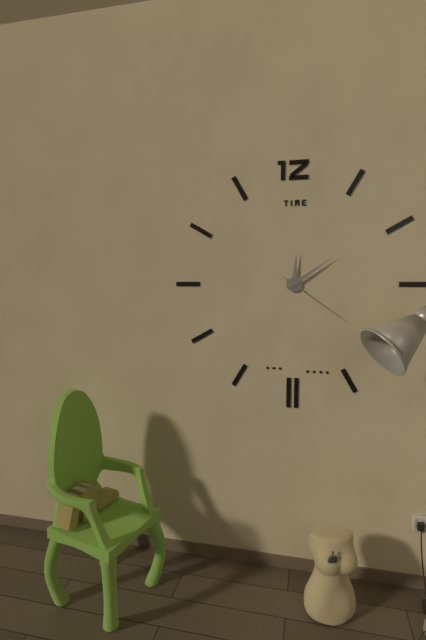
12:09:21
